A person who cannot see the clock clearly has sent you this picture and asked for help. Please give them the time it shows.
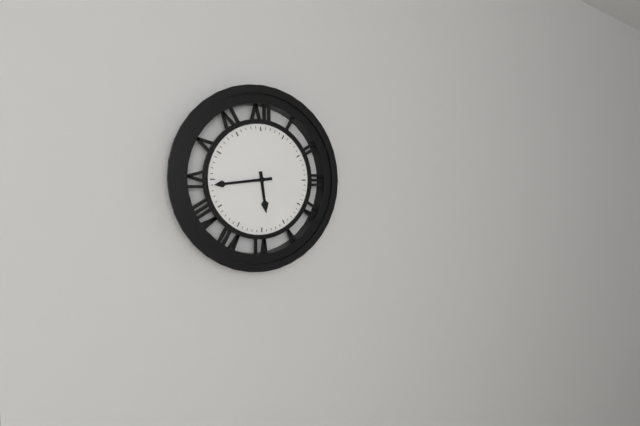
5:44
